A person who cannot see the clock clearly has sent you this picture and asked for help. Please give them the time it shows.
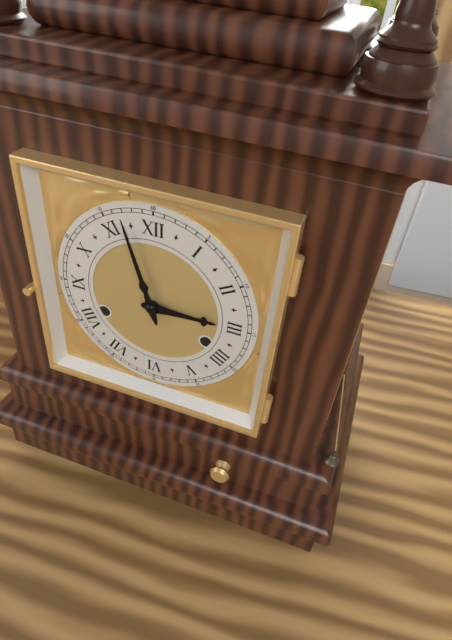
2:57
